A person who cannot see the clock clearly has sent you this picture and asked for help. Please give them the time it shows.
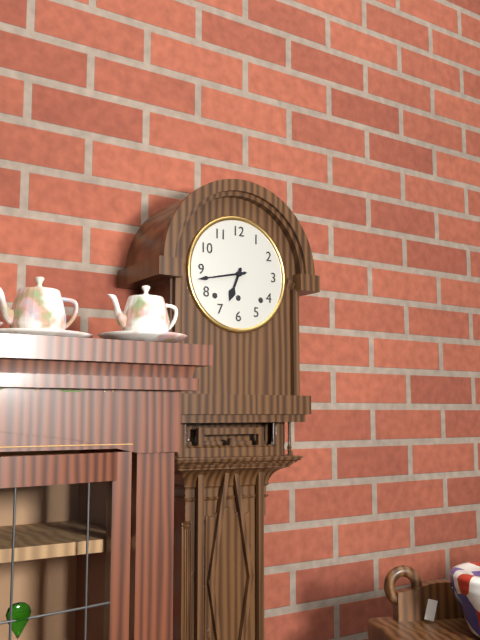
6:43
